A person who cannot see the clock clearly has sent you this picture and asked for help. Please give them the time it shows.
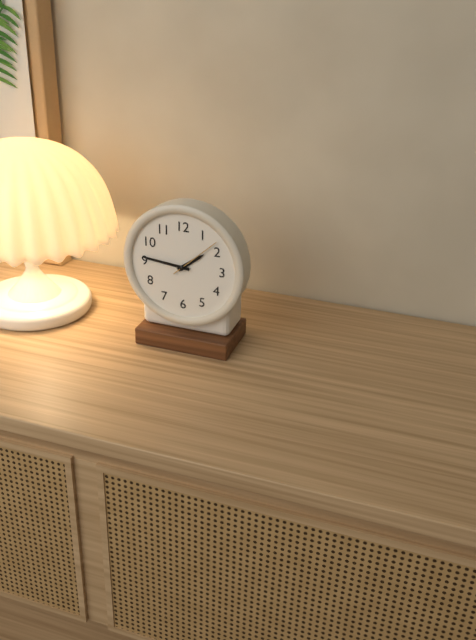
1:46:08
